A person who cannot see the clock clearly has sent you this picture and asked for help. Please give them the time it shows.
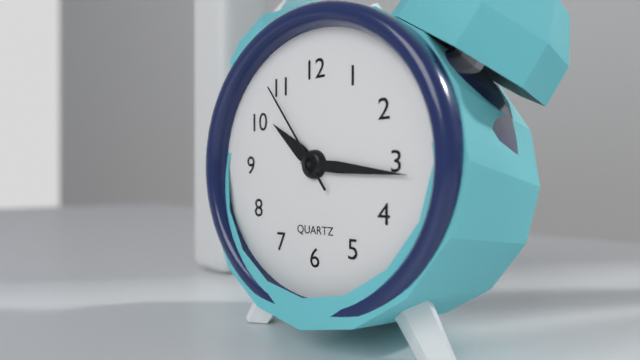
10:16:54
